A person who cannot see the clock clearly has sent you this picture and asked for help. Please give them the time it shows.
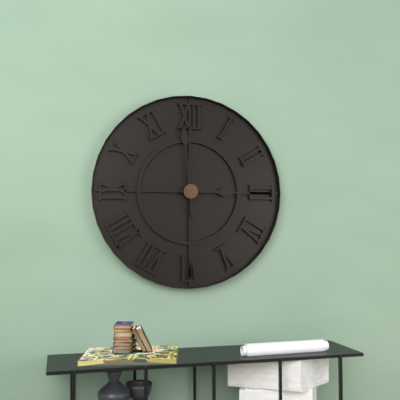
2:59
